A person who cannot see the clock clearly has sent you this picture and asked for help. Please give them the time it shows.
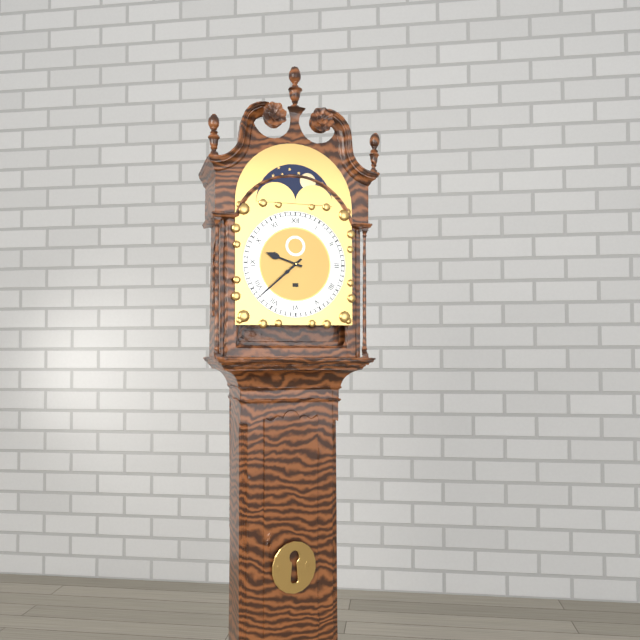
9:38
